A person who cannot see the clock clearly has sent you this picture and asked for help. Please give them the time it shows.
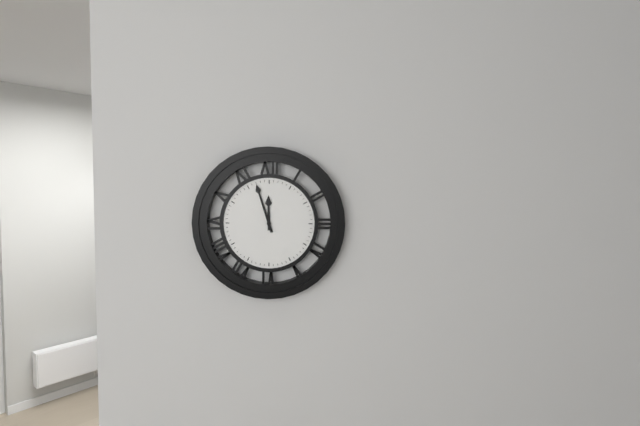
11:57
